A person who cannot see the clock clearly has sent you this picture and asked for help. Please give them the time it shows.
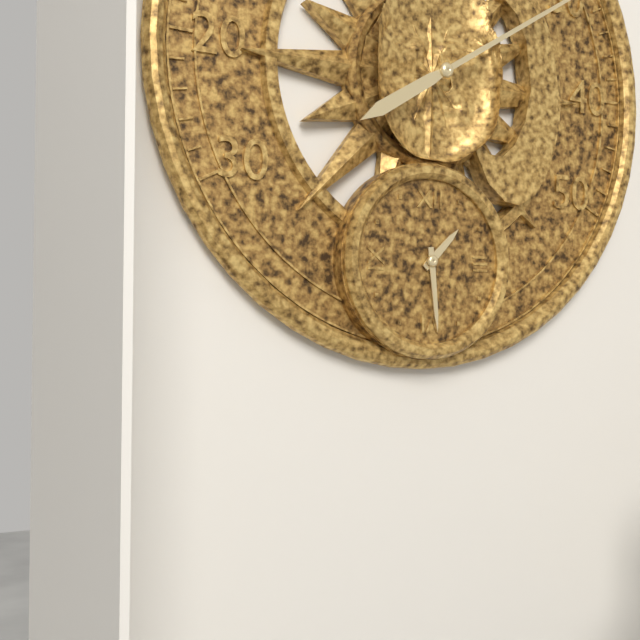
1:29
